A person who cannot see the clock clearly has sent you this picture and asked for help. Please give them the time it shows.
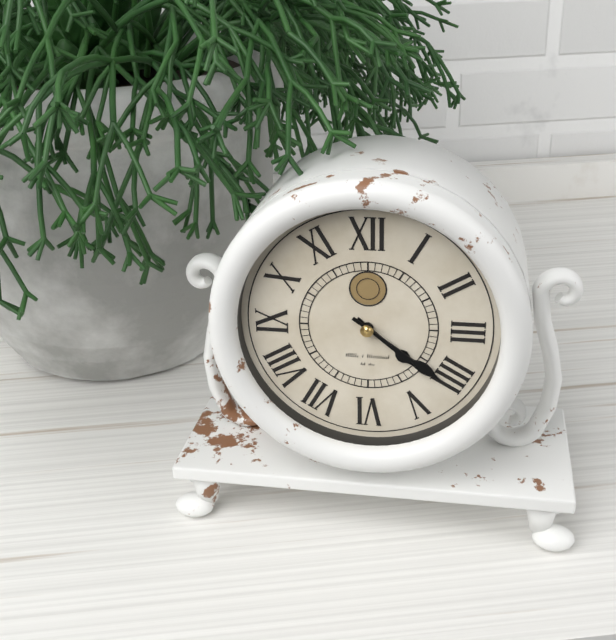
4:21
